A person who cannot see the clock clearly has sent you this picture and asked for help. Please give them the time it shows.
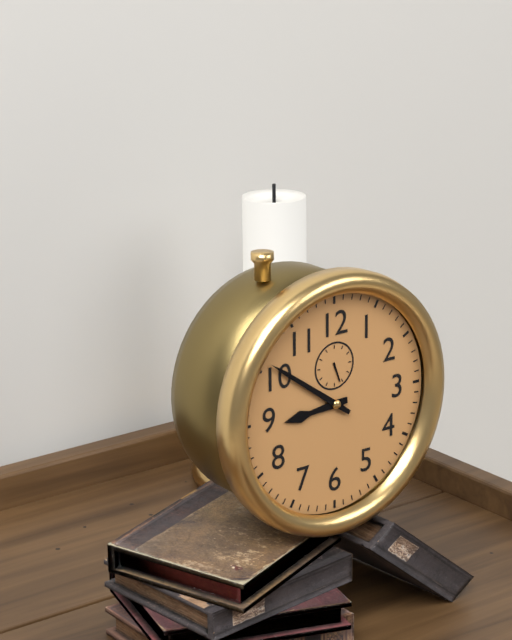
8:51
